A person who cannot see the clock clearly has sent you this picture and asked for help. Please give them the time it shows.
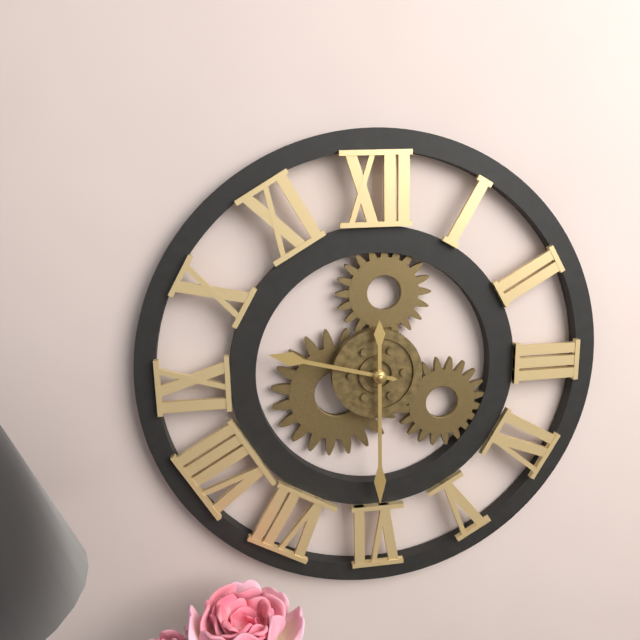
9:30
